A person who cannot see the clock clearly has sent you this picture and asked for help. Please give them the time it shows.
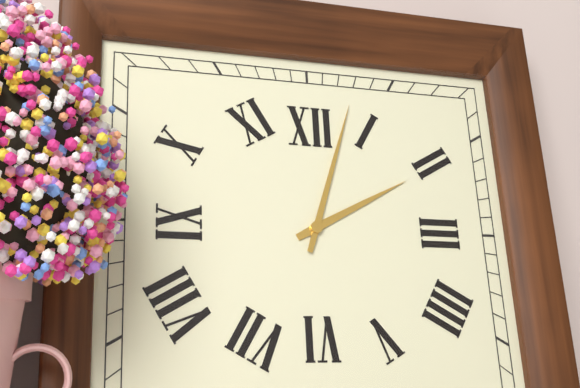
2:03
